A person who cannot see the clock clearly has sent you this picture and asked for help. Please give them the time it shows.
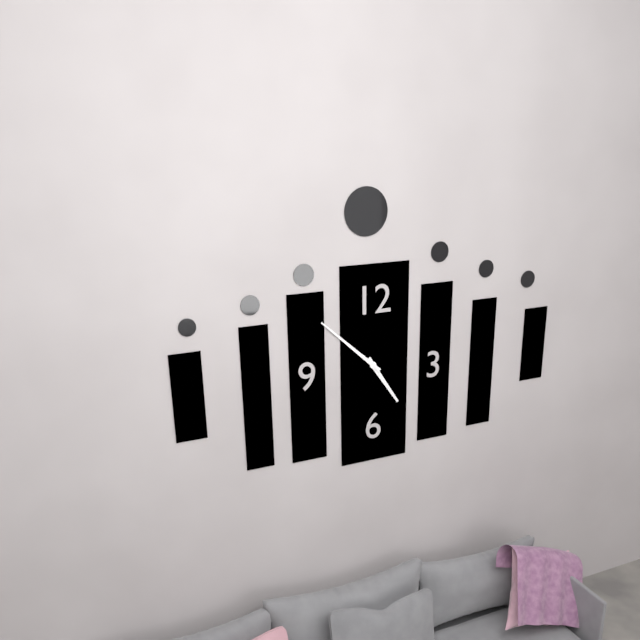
4:52
